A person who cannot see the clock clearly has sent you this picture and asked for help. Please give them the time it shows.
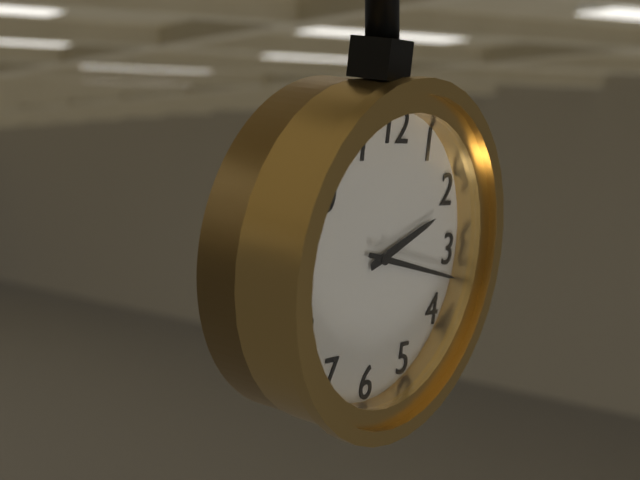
2:17
